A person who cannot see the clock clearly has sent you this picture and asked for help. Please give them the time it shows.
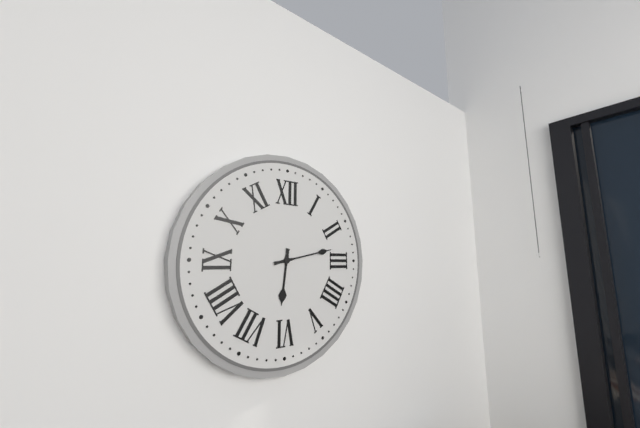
6:13
